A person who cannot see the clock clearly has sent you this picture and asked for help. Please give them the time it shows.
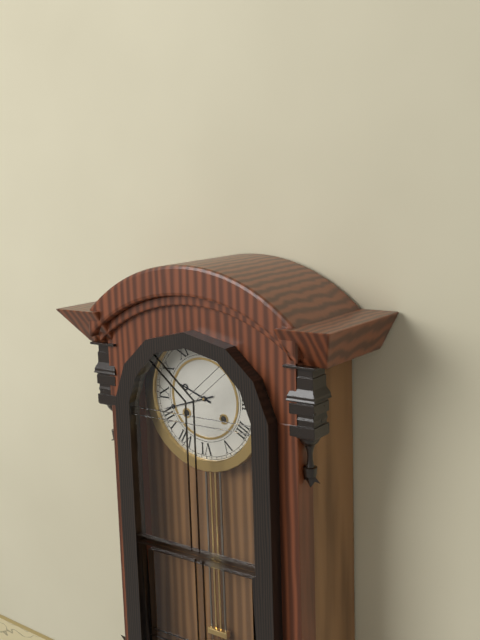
9:42
